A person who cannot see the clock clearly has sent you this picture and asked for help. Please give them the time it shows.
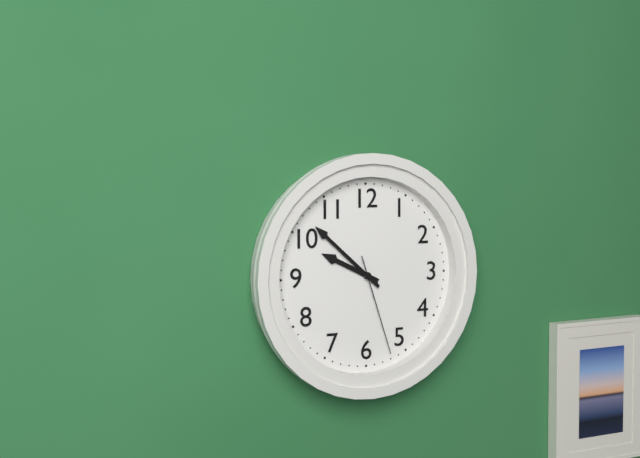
9:52:27
